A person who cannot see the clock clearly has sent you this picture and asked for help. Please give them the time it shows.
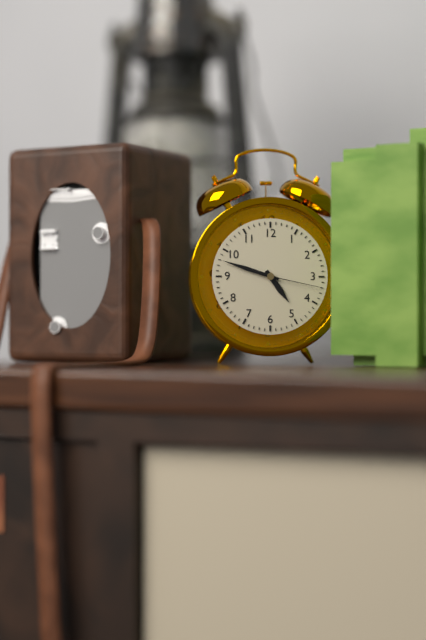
4:48:17
